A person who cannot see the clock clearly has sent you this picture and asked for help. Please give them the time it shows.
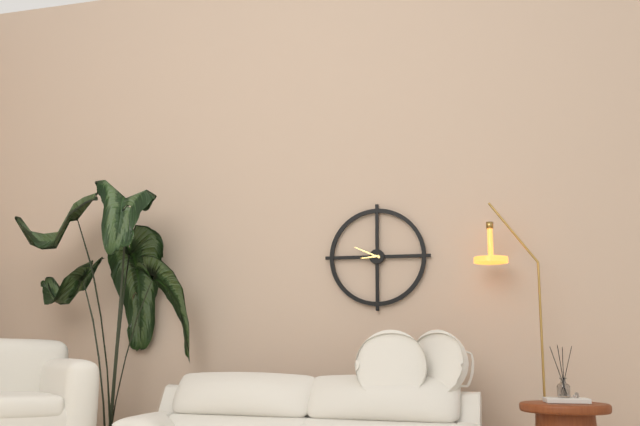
8:49
